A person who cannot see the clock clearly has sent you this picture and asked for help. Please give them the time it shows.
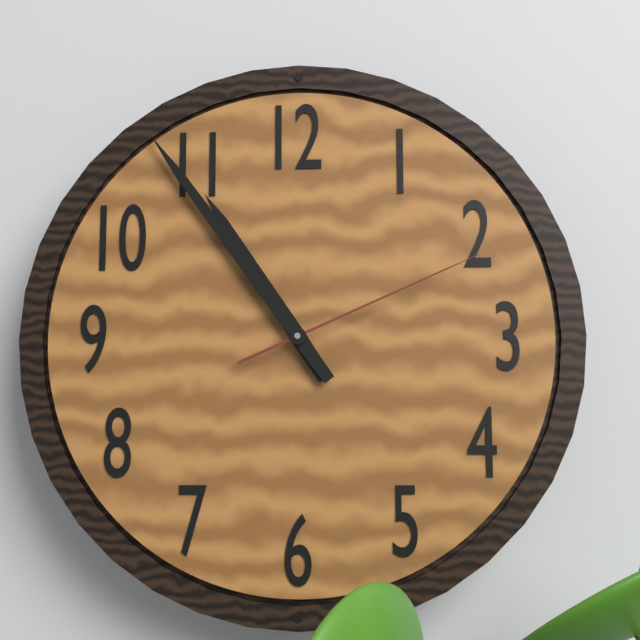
10:54:11
